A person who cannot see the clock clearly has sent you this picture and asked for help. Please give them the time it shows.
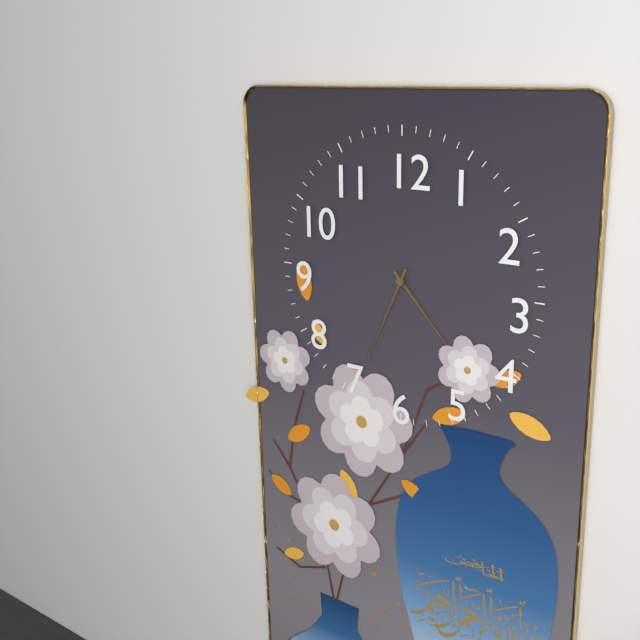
4:34
